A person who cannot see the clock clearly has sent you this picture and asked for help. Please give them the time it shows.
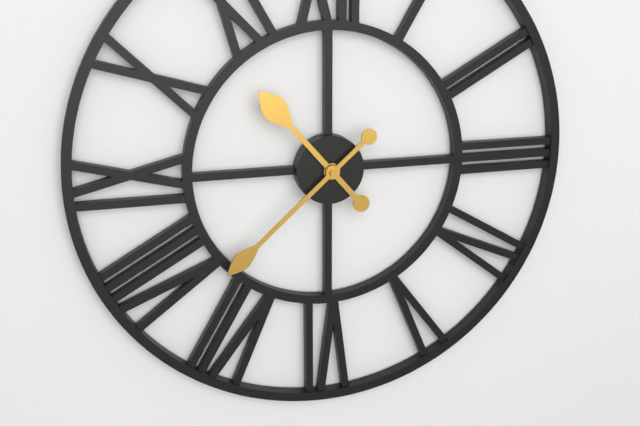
10:38
